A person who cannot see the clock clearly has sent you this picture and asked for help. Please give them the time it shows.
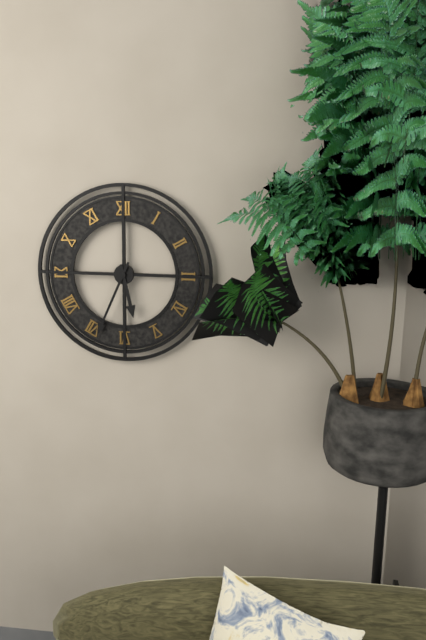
5:34
